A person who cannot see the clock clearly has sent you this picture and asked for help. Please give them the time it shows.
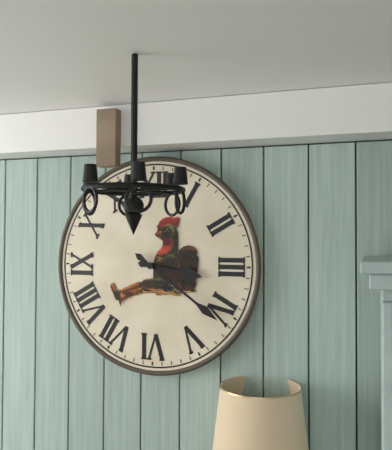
3:21
